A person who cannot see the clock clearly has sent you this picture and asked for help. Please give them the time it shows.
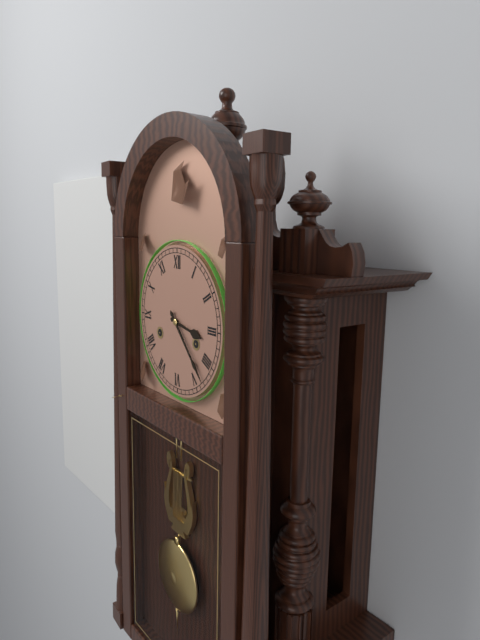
3:23
